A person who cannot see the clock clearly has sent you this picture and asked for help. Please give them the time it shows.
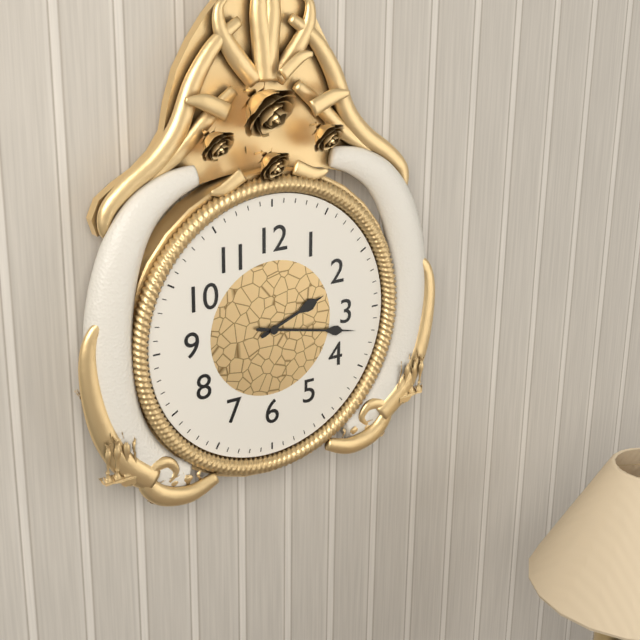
2:17
